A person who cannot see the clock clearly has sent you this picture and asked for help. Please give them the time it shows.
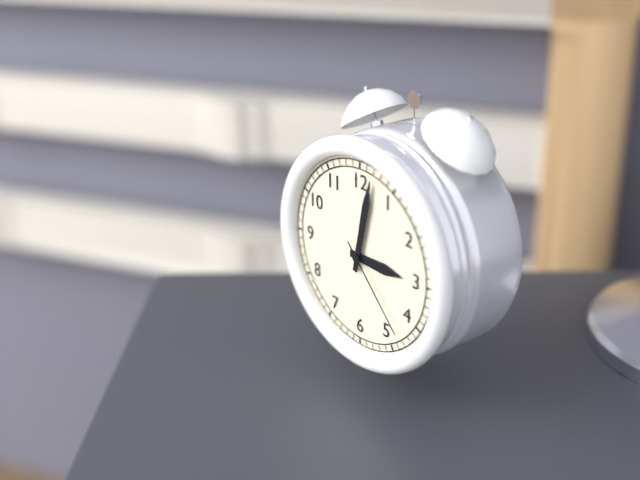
3:02:23
